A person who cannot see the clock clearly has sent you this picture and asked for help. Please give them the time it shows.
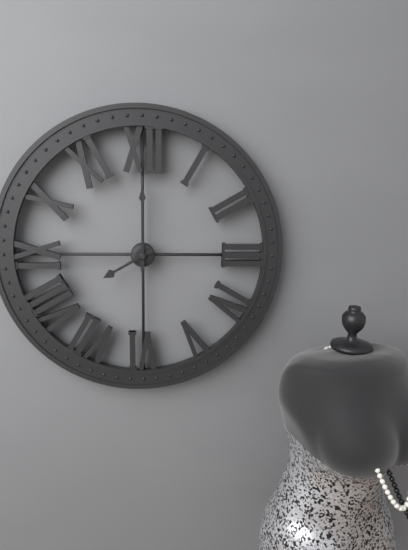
8:00
